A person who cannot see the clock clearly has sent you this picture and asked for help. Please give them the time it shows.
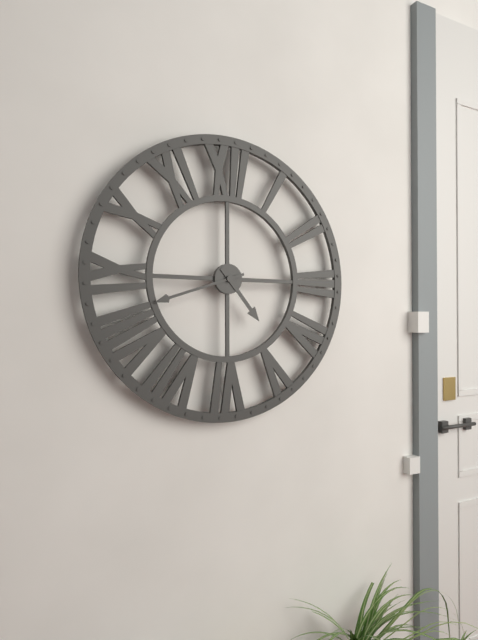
4:42
